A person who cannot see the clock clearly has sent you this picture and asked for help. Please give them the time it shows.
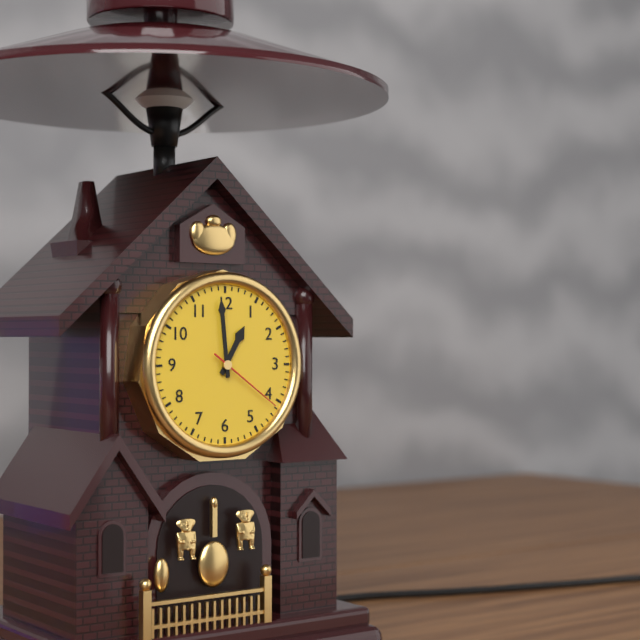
12:59:21
